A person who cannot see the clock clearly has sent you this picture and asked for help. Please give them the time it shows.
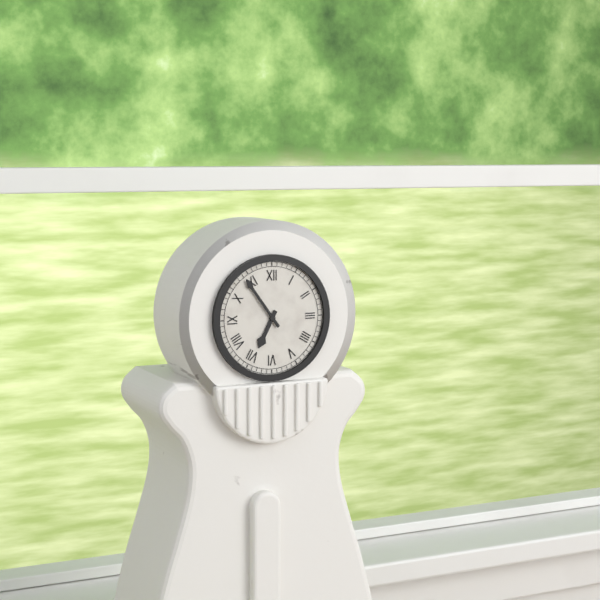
6:54
